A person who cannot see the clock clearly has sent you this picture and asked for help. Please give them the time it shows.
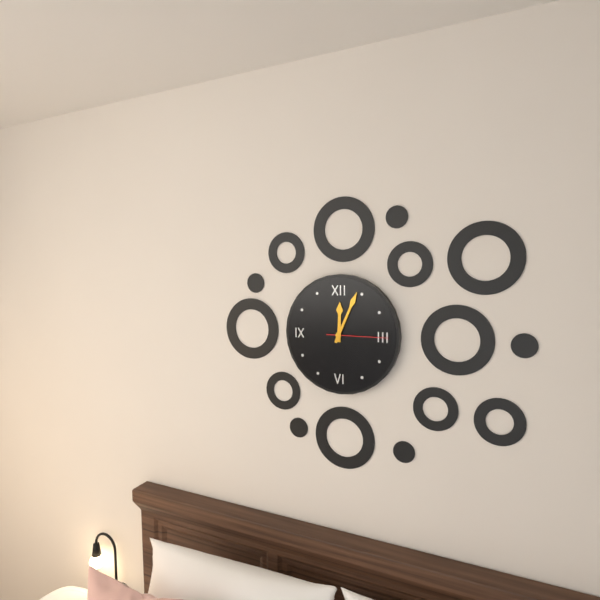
12:04:15
